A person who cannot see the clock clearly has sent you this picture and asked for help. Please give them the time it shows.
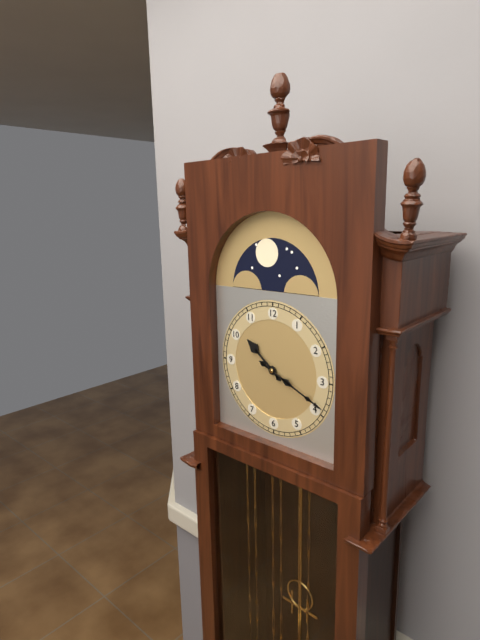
10:19
